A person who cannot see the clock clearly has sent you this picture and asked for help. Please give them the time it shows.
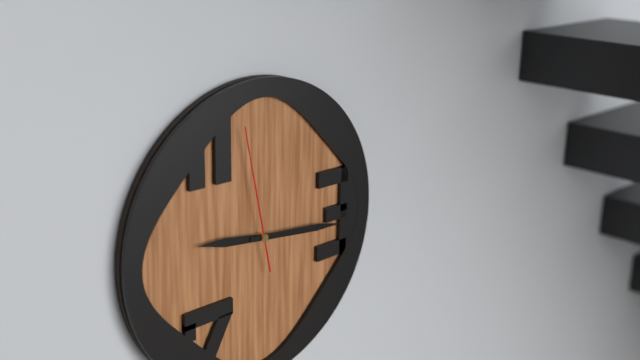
9:16:58
